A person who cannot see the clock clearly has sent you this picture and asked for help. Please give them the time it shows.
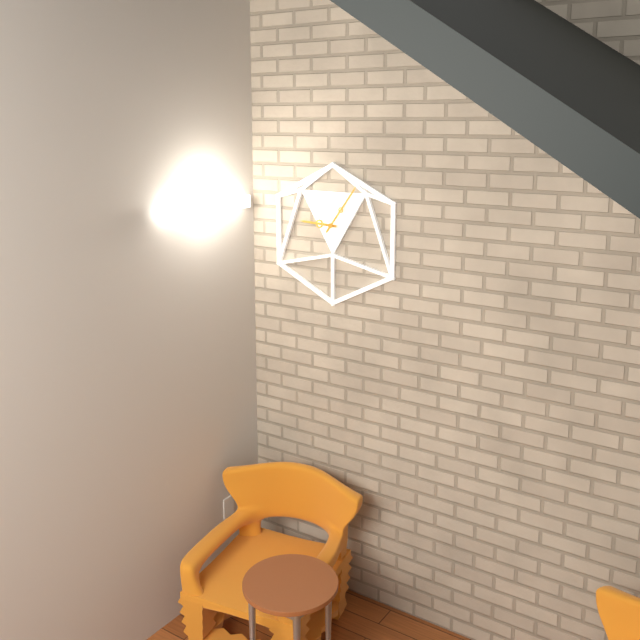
9:06
